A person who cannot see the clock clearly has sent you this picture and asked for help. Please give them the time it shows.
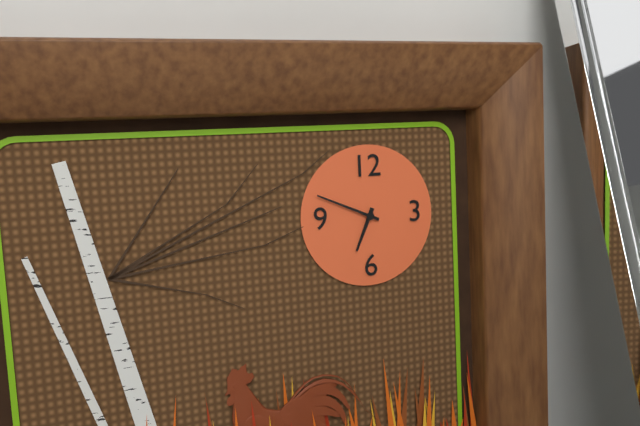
6:49
